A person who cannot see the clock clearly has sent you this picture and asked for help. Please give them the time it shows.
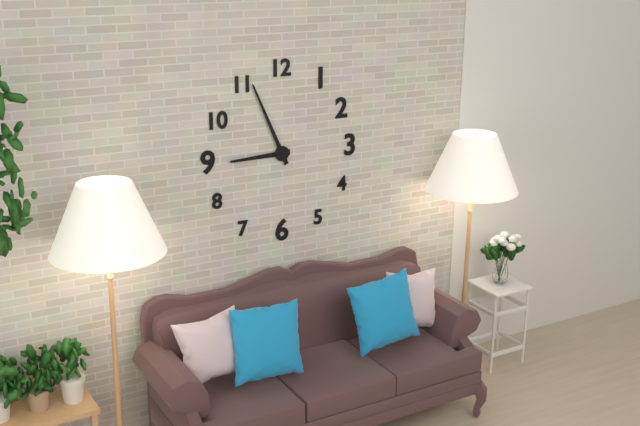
8:56
